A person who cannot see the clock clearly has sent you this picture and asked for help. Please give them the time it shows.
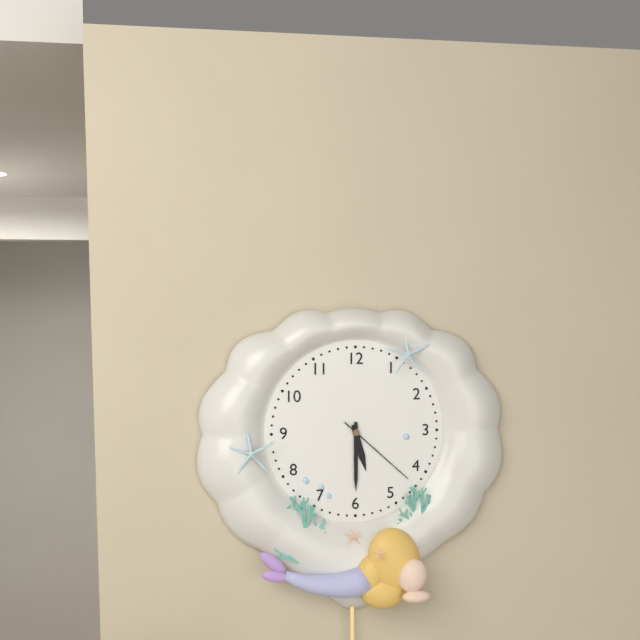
5:30:22
